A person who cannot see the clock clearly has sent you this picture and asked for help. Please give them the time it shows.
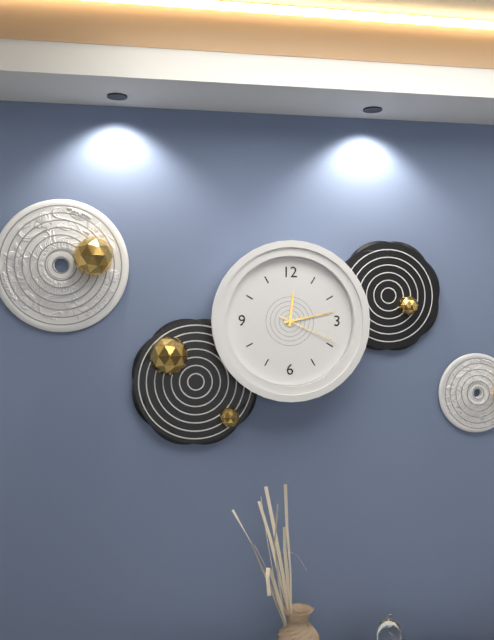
12:13:19
